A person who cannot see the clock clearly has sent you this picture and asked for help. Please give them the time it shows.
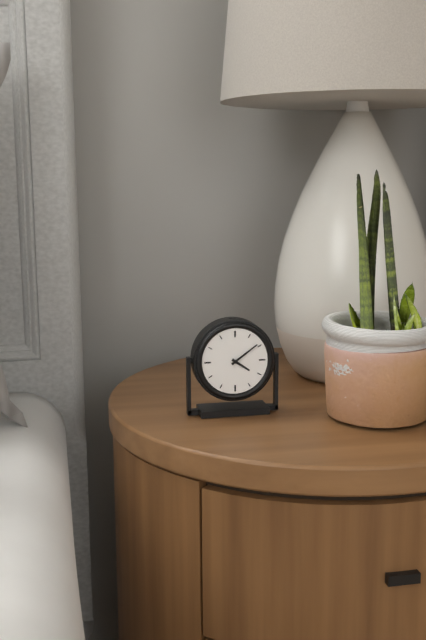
4:09
